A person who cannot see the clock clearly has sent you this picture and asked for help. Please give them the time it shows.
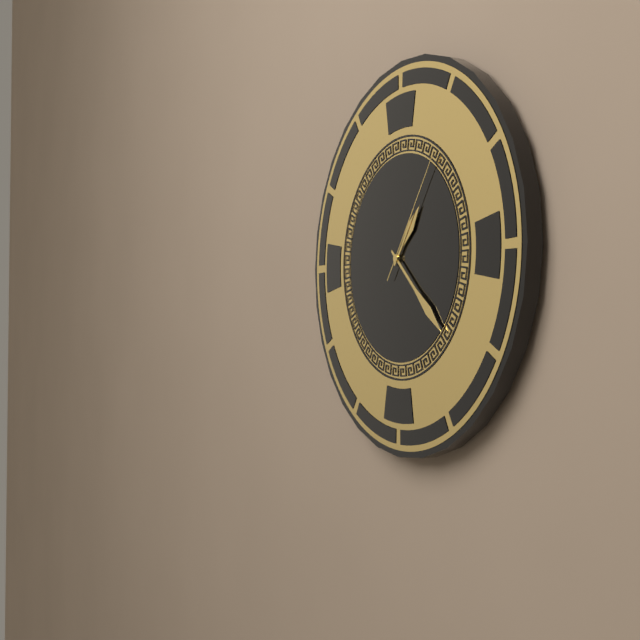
1:22:06
